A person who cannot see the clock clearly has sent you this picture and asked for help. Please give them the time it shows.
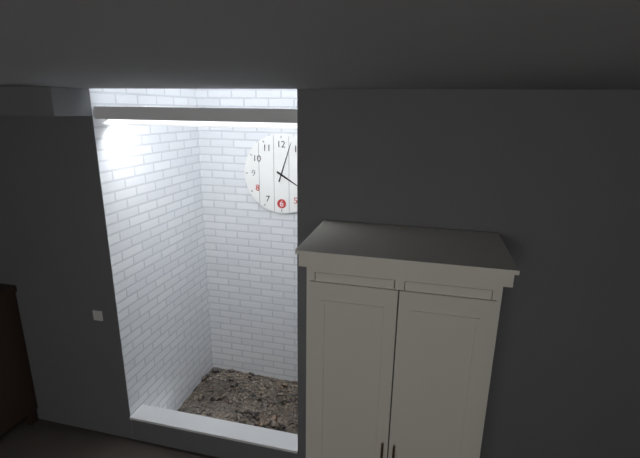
4:03
